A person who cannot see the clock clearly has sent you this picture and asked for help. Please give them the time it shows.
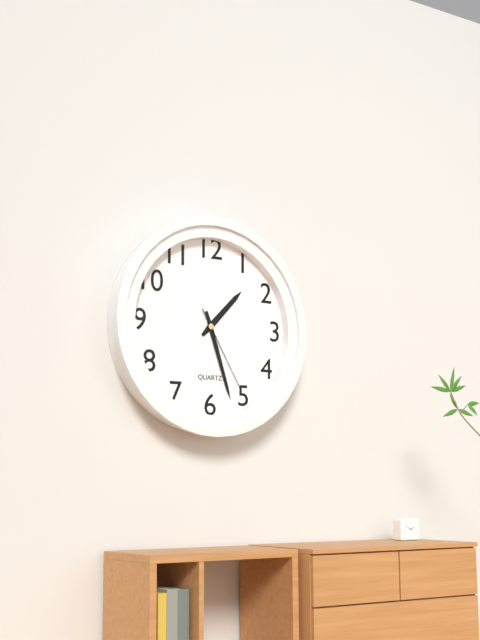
1:27:25
